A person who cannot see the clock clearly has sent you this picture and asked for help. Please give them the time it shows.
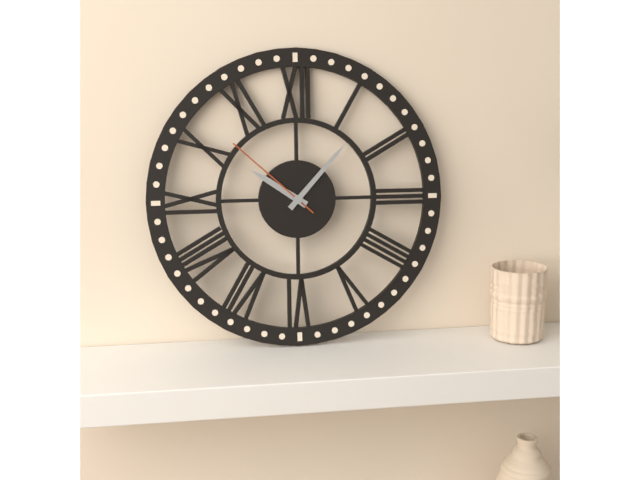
10:07:52
